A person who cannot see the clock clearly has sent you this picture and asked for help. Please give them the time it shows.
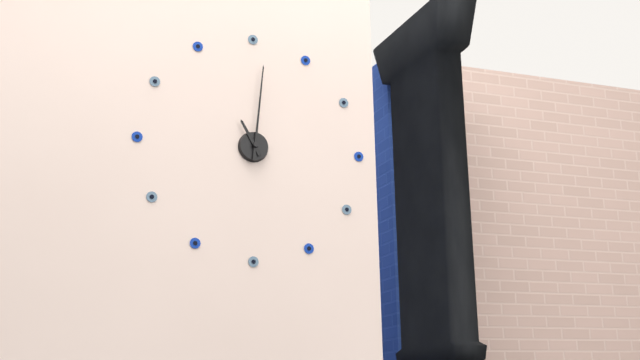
11:01
